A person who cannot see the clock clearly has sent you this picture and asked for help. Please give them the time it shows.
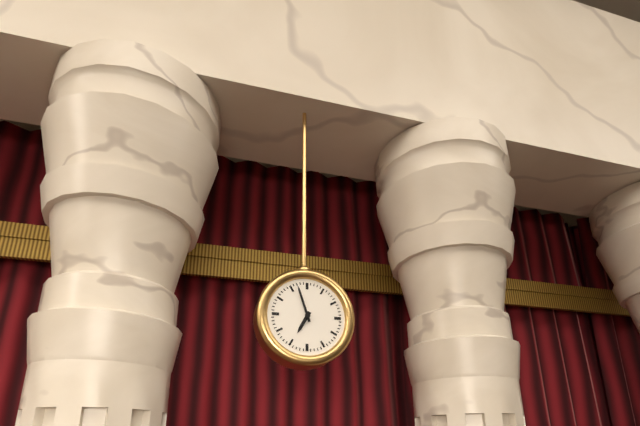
6:57
